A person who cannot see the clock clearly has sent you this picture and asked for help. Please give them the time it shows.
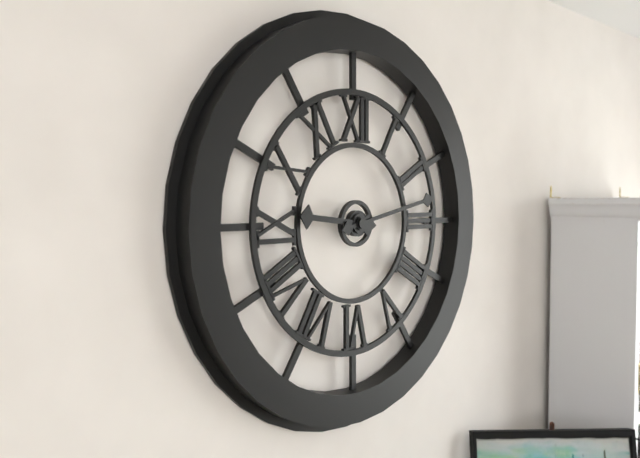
9:13
